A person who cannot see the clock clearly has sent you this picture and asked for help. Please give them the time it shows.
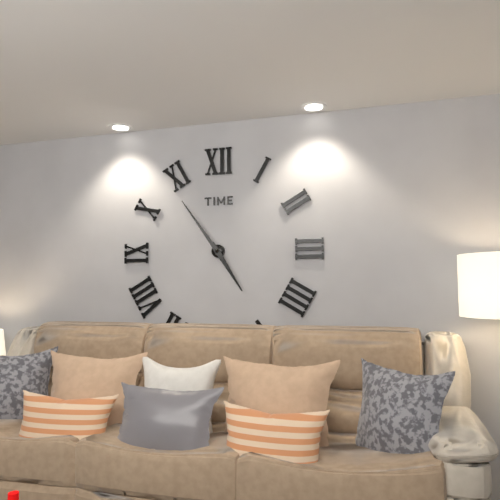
4:54
